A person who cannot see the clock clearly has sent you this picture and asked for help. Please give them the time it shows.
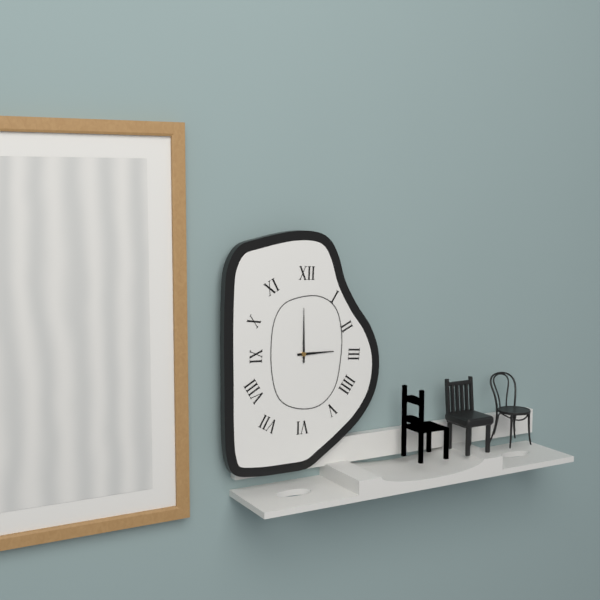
3:00
